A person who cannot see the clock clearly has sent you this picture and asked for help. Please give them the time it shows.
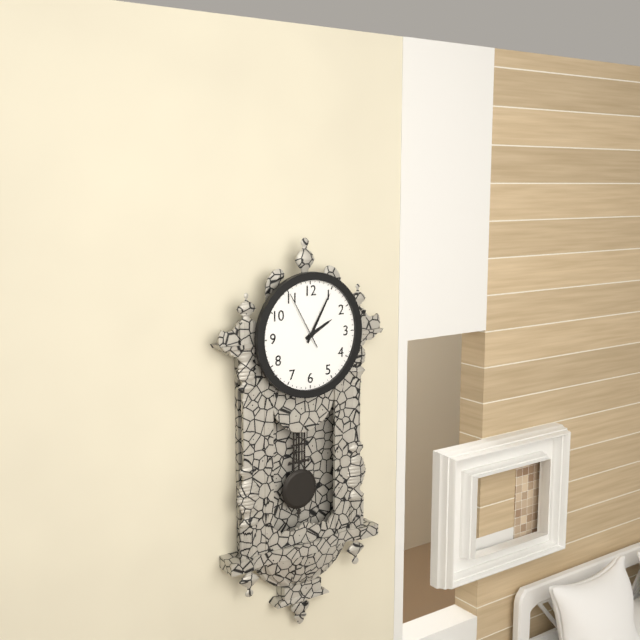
2:05:55
